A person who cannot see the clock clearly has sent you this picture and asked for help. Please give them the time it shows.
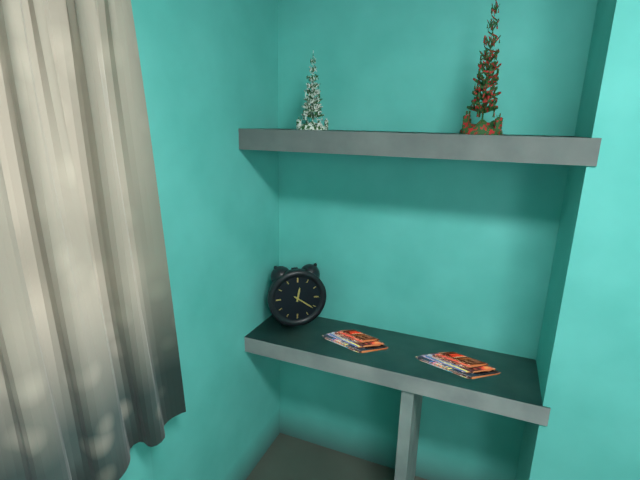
12:21
